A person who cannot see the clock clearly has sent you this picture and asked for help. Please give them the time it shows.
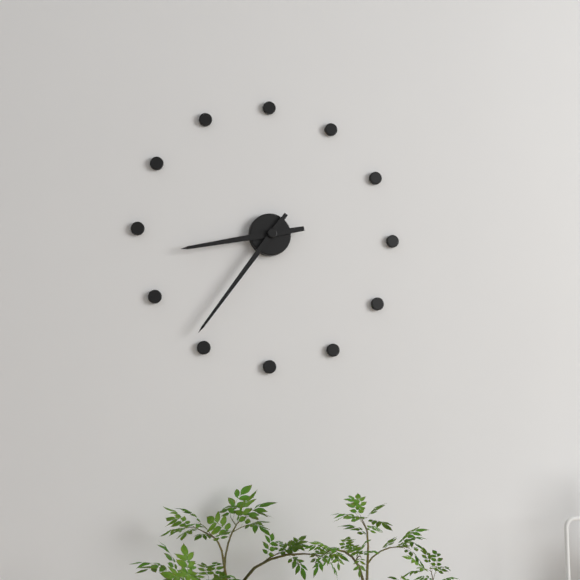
8:36
